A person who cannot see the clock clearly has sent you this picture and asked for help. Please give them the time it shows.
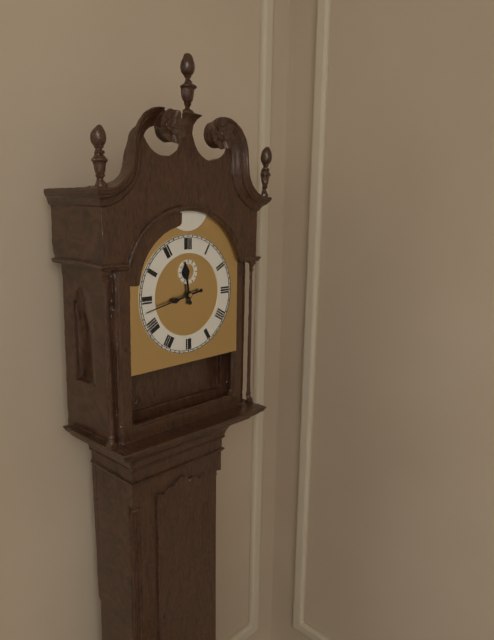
11:43
